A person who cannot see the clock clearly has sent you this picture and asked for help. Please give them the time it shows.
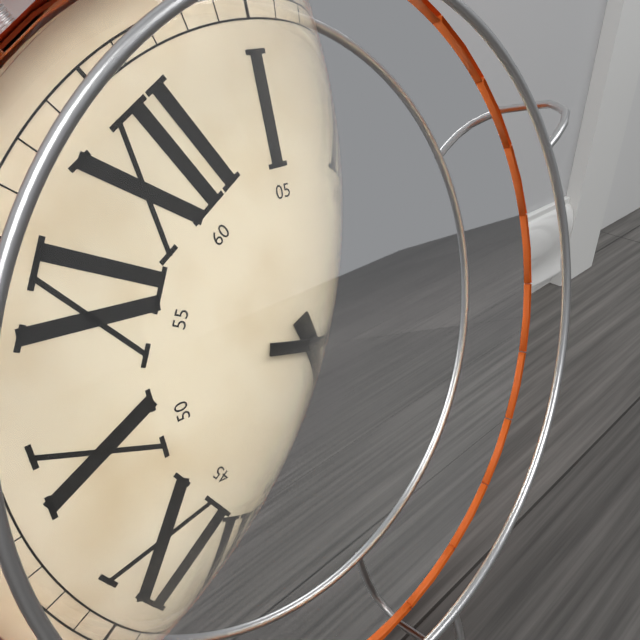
6:23
